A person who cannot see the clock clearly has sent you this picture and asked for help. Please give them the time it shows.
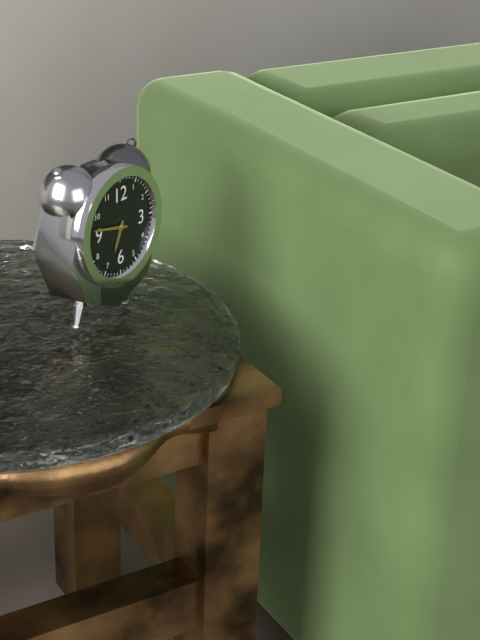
6:47
